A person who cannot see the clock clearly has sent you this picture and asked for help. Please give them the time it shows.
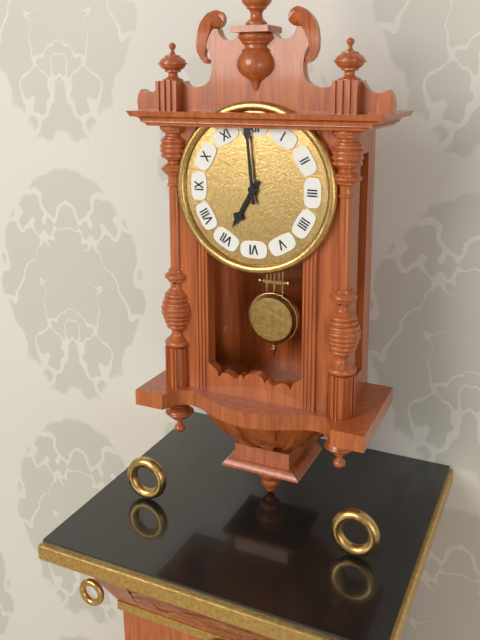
6:59
